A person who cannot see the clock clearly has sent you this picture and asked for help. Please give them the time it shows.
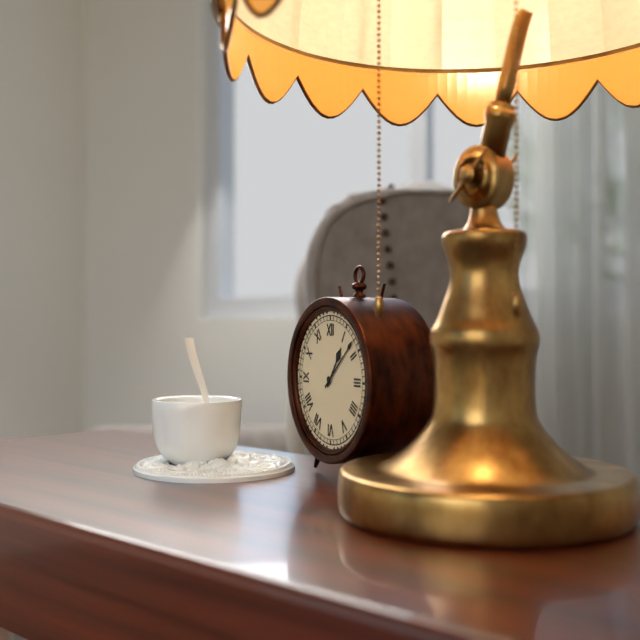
1:08
